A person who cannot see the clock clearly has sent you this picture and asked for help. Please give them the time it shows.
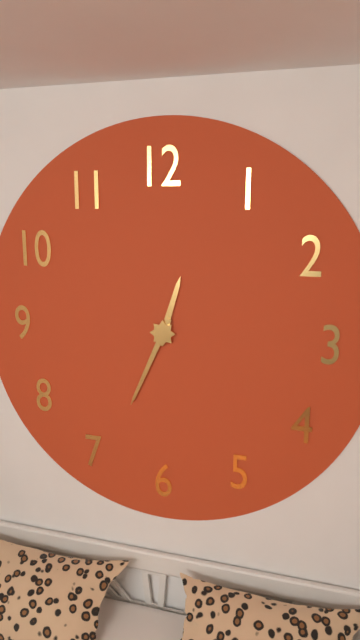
12:34
